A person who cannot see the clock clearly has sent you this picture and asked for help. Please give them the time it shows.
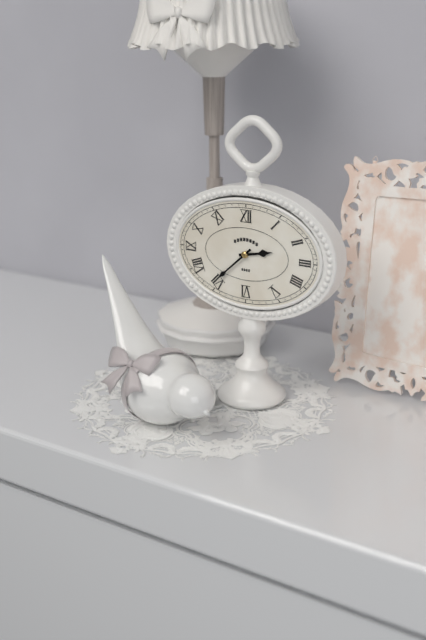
2:38
